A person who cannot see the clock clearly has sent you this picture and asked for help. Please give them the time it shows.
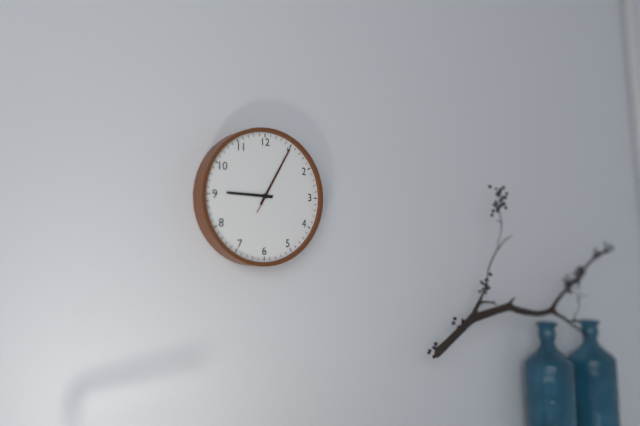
9:05:05
